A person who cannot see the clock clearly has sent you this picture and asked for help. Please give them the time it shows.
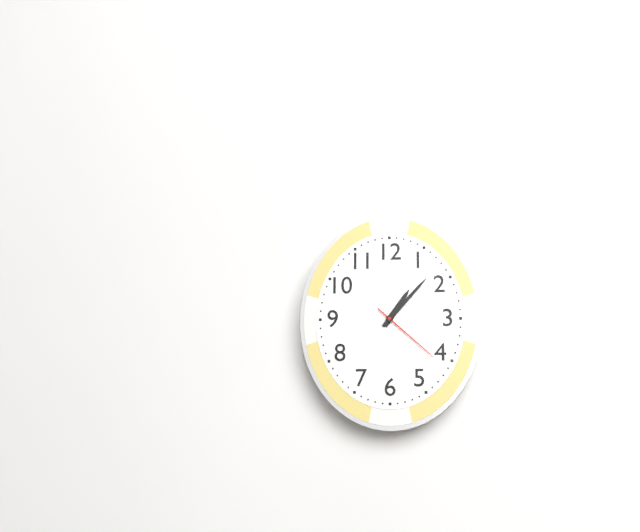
1:07:22
